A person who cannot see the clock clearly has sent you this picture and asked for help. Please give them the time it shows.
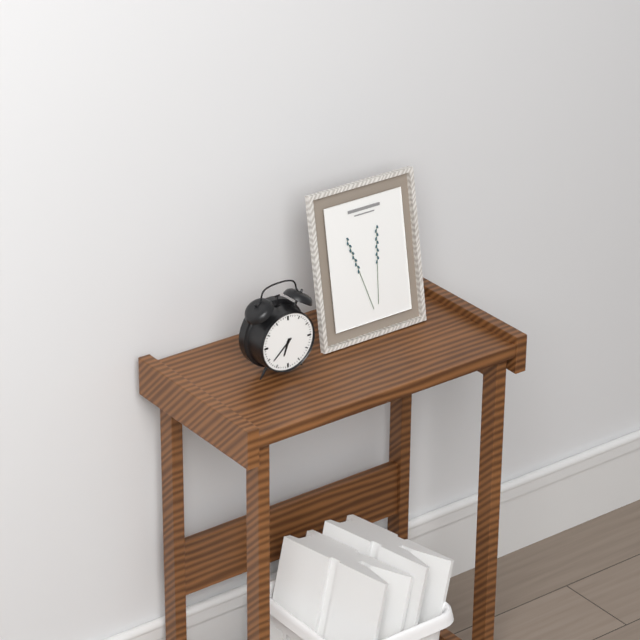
6:38
